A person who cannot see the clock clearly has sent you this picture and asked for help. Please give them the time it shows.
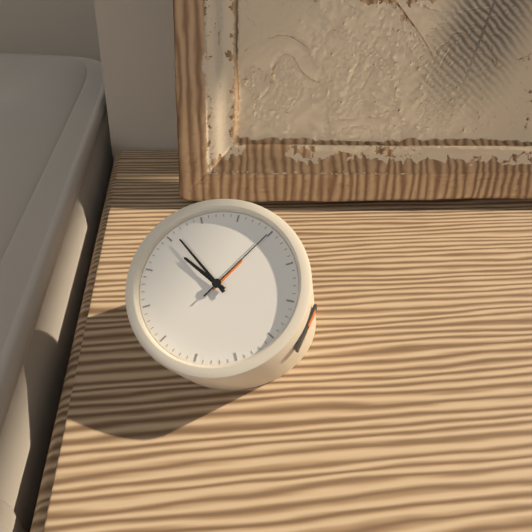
9:51:05
